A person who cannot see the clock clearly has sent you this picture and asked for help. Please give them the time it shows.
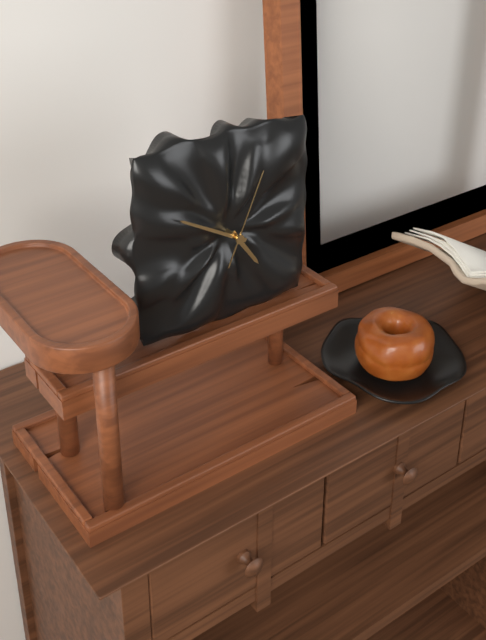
4:50:04
